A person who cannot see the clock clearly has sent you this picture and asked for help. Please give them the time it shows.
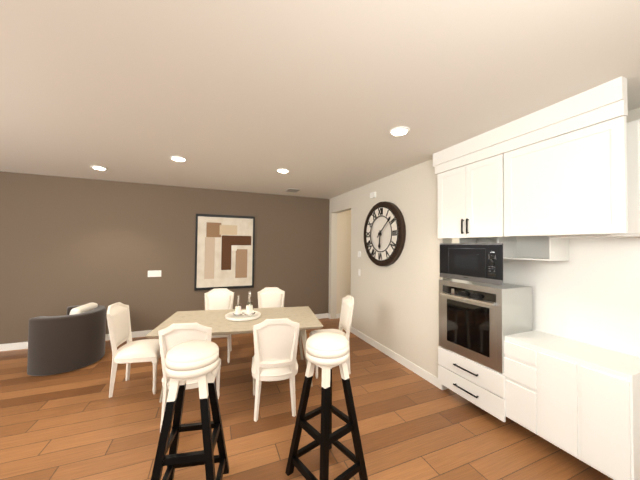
6:08
